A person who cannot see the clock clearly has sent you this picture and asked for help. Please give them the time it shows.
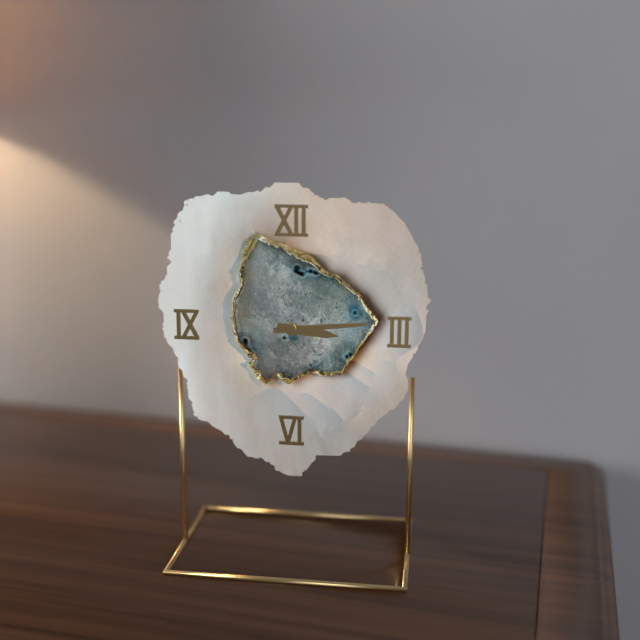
3:14
